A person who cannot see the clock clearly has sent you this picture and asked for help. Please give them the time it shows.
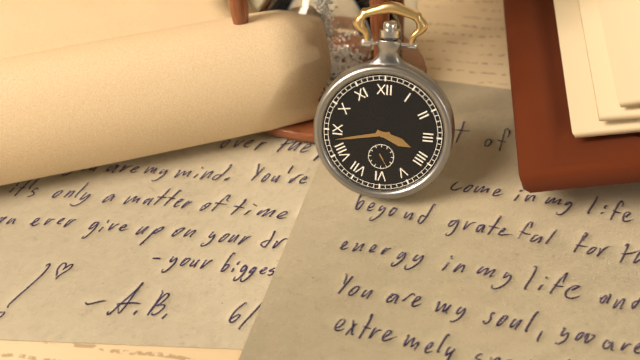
3:43
